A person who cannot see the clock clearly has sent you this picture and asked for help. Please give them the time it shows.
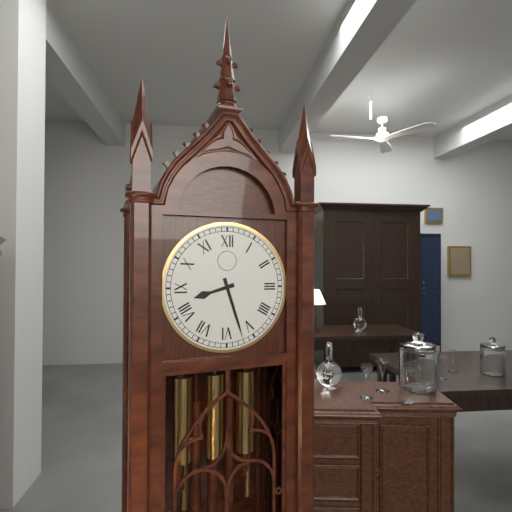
8:27
